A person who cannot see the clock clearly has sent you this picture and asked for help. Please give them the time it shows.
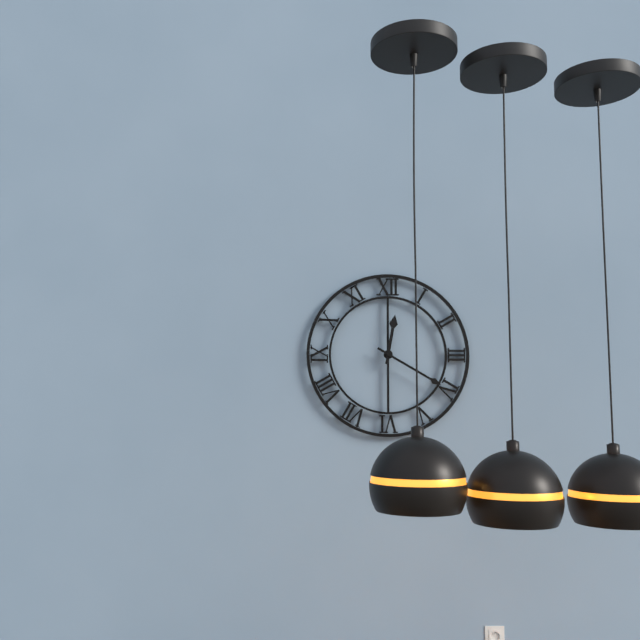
12:20
